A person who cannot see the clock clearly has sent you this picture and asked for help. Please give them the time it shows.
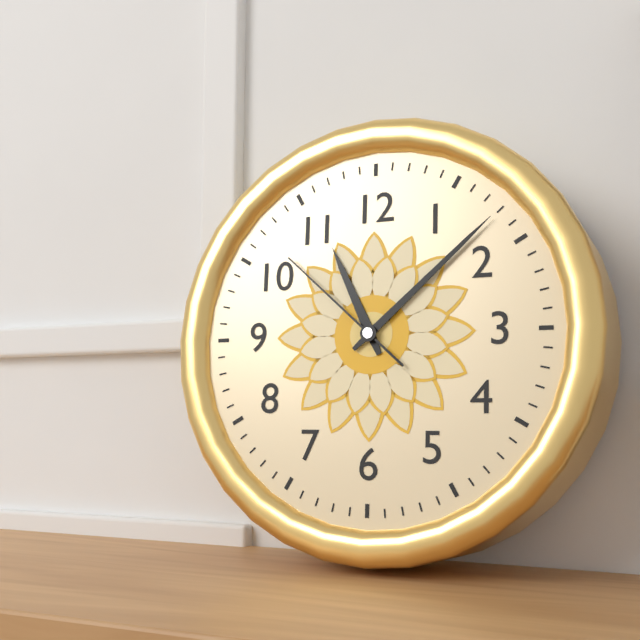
11:08:52
